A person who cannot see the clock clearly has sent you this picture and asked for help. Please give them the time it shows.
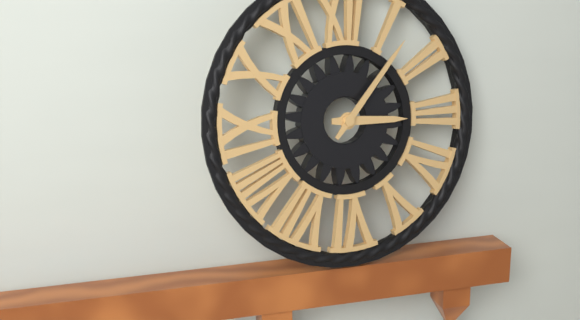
3:07
